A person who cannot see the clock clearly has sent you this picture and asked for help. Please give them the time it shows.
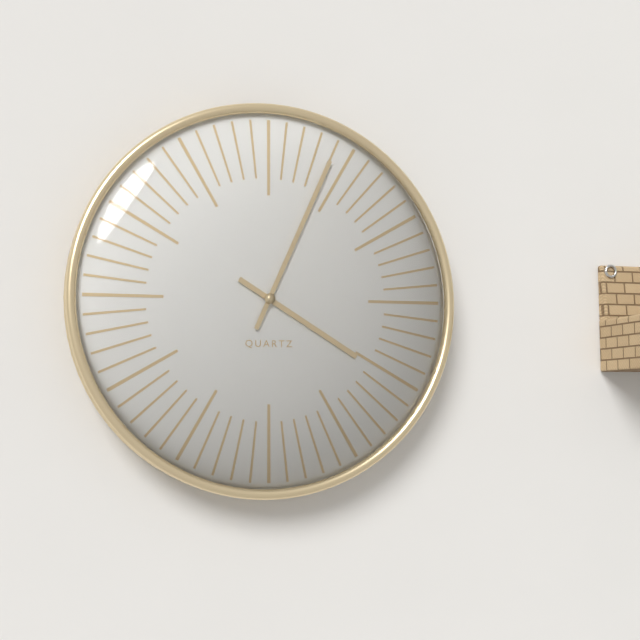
4:04
